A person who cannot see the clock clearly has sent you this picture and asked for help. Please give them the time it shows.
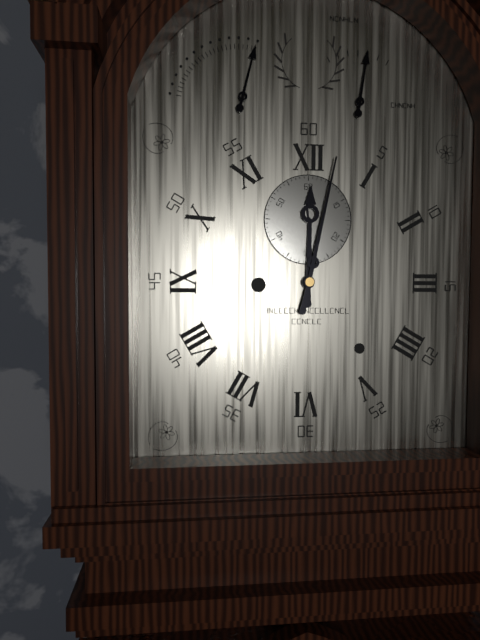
12:02:29
